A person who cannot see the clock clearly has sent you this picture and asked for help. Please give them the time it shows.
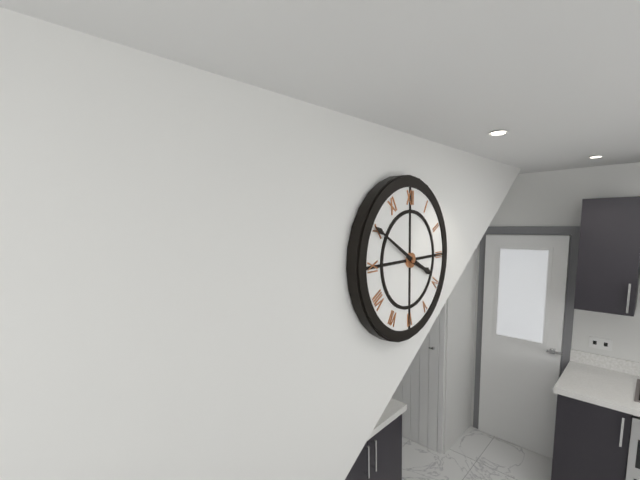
3:50
